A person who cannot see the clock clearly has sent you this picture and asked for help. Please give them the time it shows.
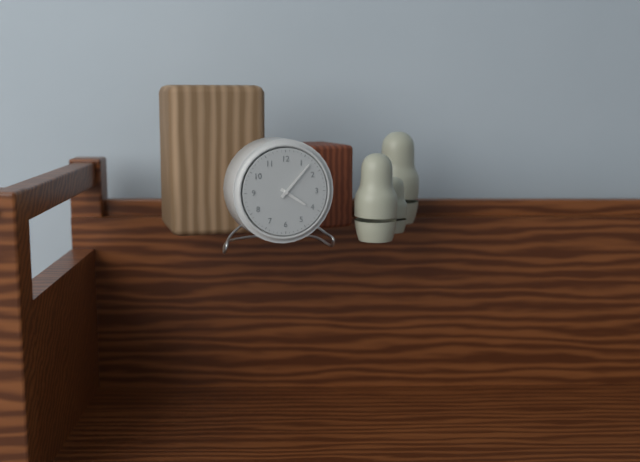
4:07
